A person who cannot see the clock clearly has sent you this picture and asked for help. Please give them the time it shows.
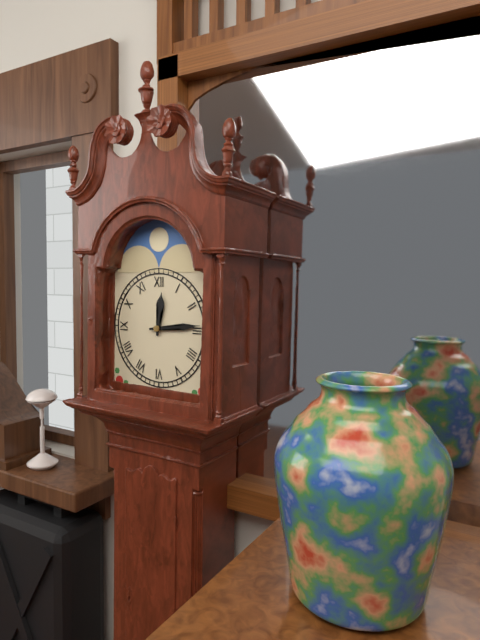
12:14
